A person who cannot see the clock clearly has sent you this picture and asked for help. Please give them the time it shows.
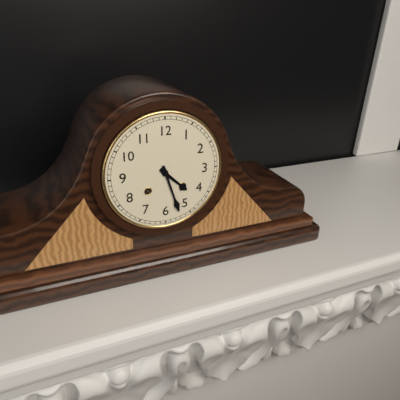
4:27
